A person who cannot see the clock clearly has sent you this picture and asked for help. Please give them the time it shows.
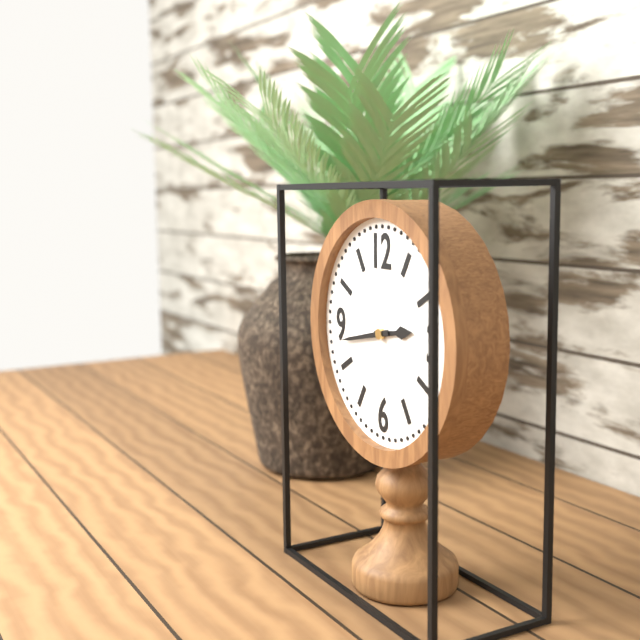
2:43
